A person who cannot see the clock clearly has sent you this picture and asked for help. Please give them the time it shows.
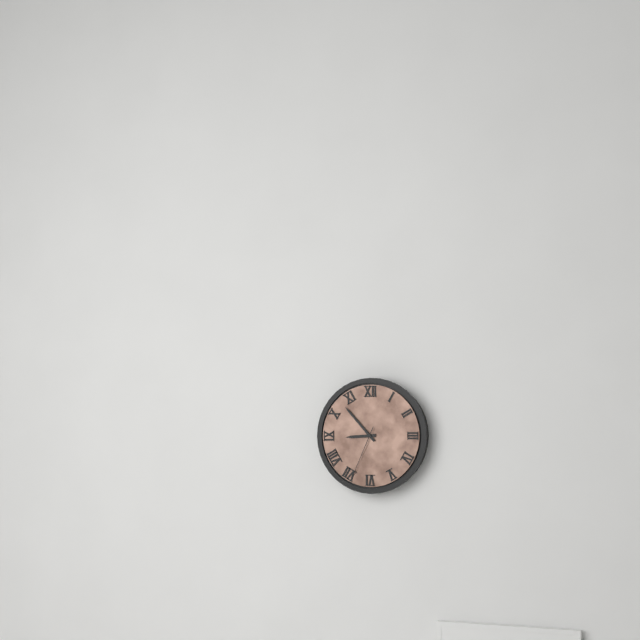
8:53:34
